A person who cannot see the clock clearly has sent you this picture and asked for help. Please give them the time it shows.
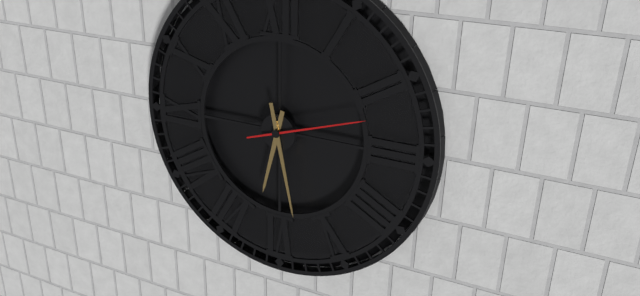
6:28:12
